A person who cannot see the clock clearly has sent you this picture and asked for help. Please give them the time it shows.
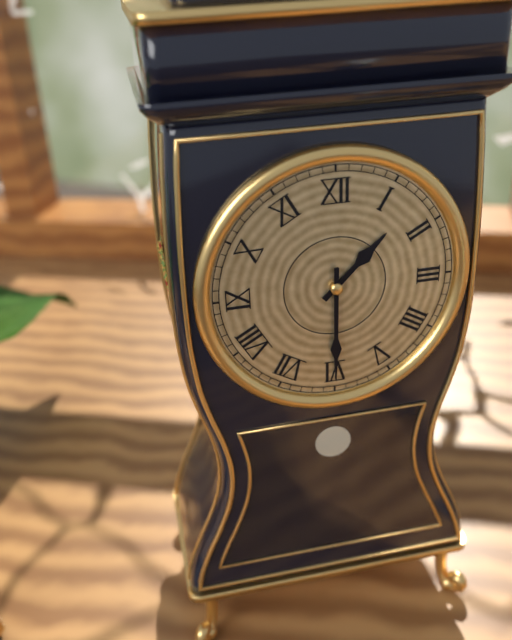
1:30
